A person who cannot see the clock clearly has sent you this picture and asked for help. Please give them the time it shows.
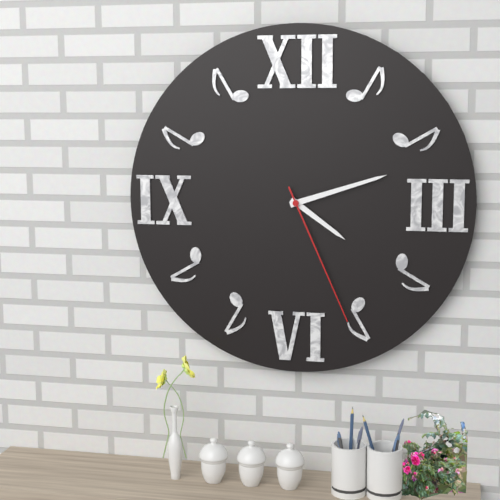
4:12:26
